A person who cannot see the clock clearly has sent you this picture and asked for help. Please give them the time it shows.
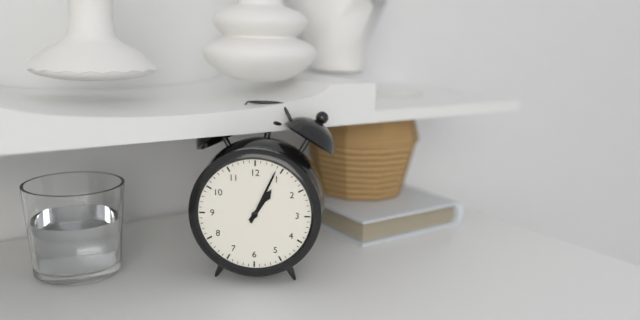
1:04
